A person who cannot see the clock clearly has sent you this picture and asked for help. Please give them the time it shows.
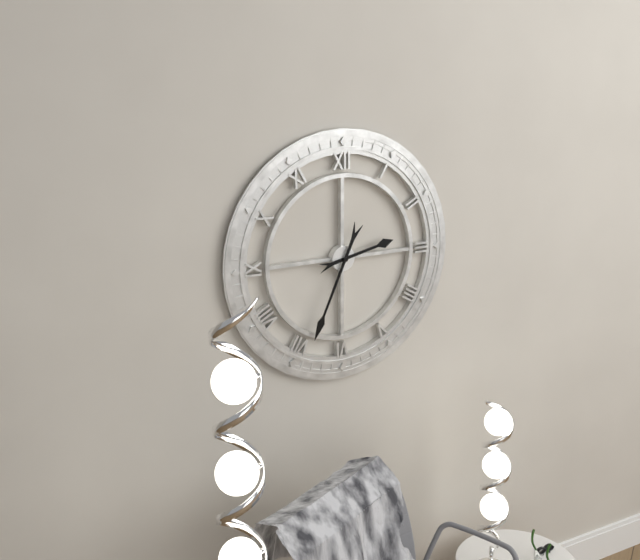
2:34
